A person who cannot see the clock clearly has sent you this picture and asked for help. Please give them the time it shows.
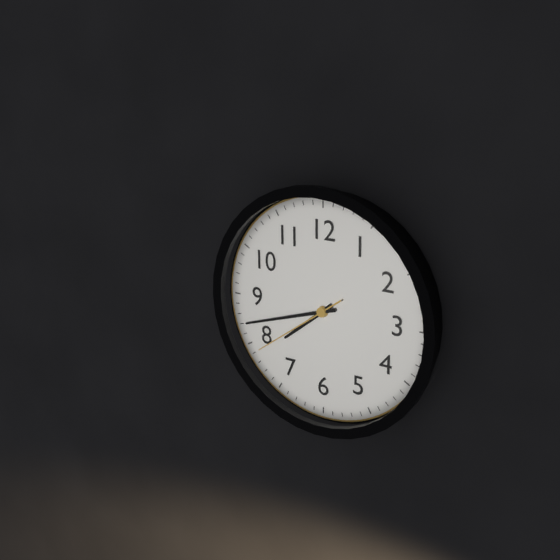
7:42:39
